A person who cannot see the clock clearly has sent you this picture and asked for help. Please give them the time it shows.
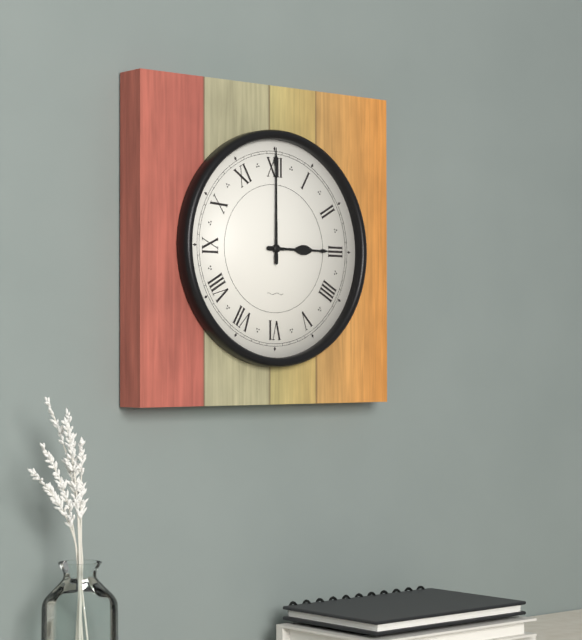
3:00
